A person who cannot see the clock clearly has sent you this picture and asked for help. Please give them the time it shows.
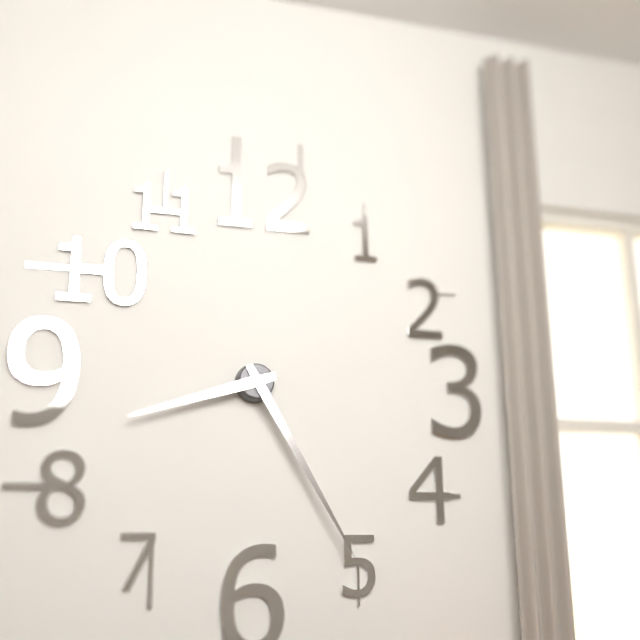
8:25
